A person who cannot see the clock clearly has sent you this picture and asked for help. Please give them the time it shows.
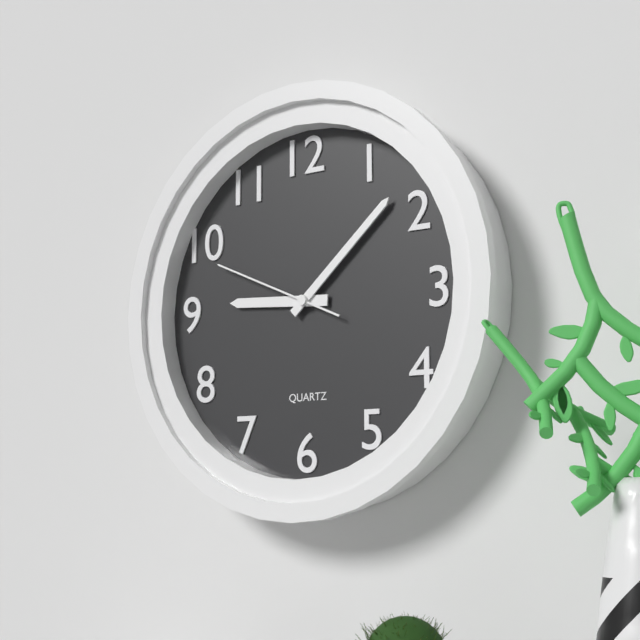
9:08:49
